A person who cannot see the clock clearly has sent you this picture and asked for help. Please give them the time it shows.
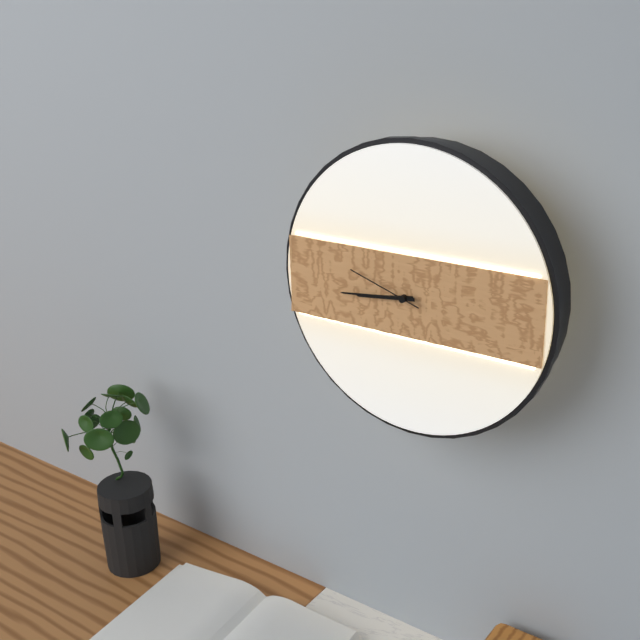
8:44:48
